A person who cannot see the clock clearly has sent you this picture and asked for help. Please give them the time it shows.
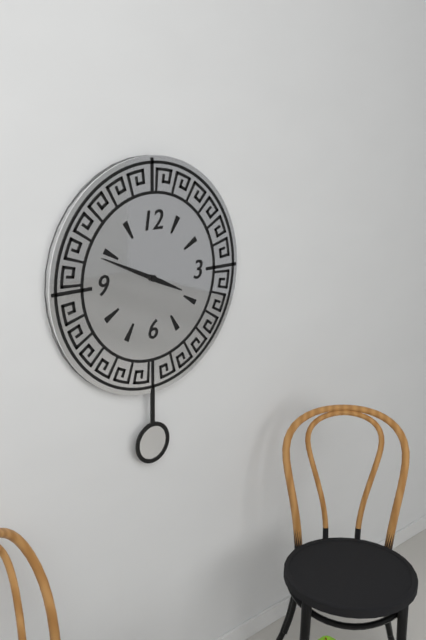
3:49
